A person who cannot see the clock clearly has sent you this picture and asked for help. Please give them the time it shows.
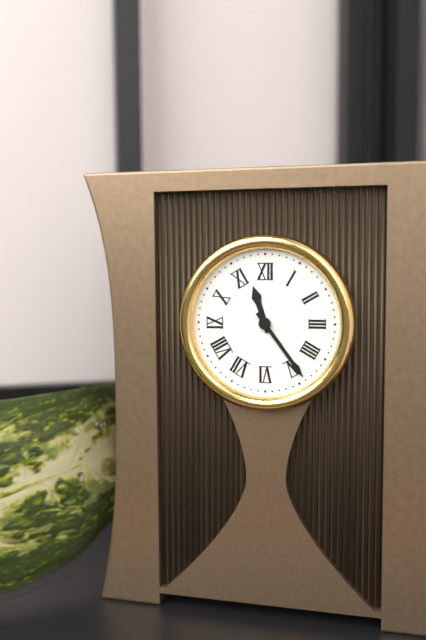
11:24
